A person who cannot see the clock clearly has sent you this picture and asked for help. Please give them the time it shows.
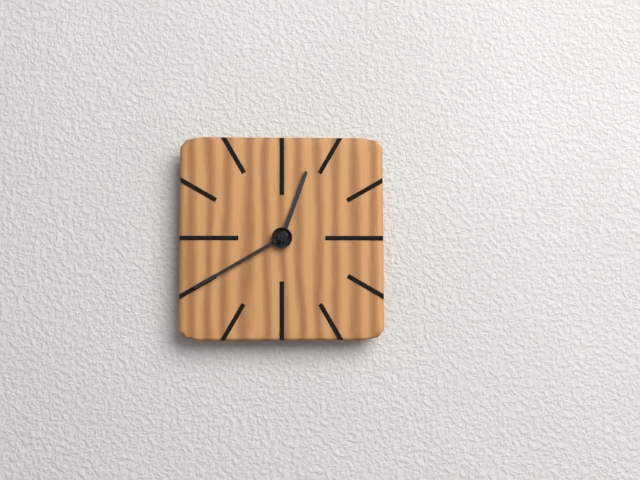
12:40
